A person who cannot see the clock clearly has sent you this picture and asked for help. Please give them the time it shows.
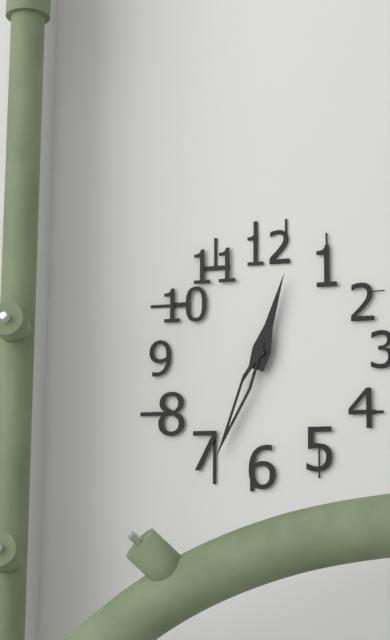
12:34
